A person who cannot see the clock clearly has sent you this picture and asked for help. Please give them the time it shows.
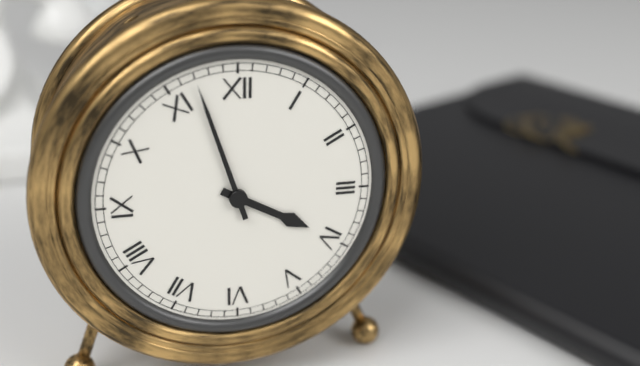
3:57
